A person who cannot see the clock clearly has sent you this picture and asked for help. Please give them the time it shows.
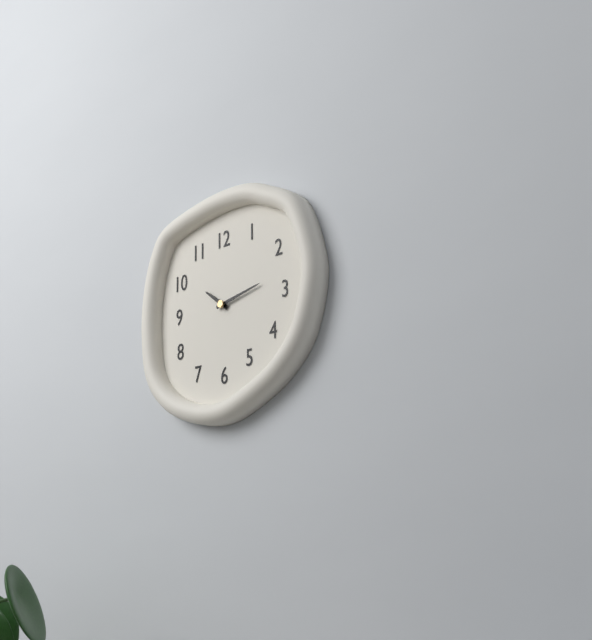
10:13
